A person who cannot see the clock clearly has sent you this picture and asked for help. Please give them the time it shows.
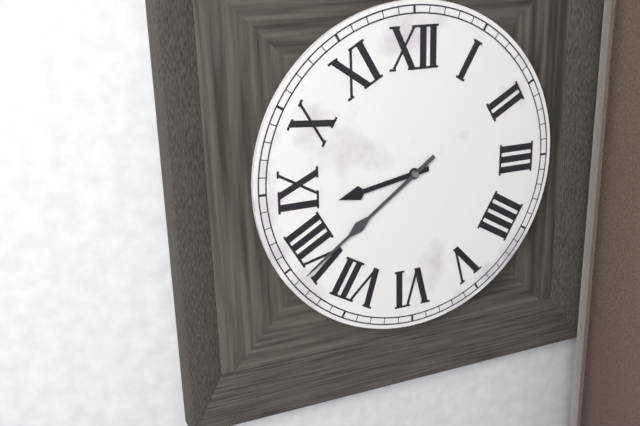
8:39
